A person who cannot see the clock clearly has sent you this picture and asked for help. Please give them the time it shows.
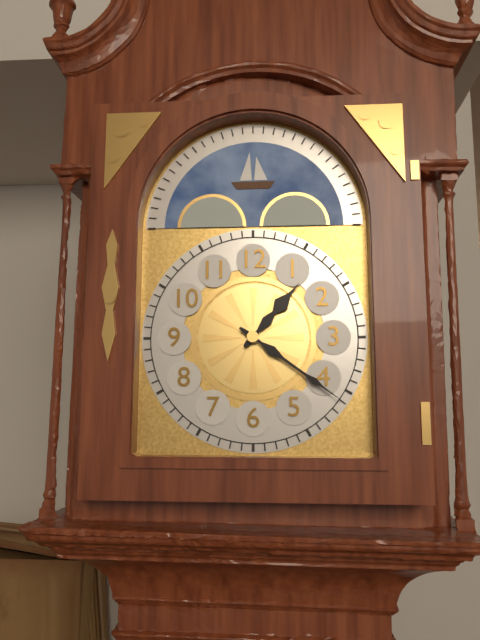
1:21
